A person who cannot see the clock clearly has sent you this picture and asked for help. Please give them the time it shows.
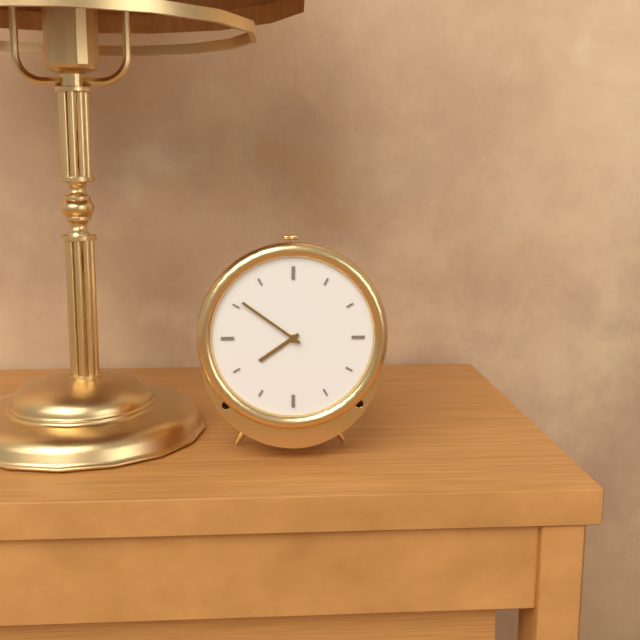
7:51
